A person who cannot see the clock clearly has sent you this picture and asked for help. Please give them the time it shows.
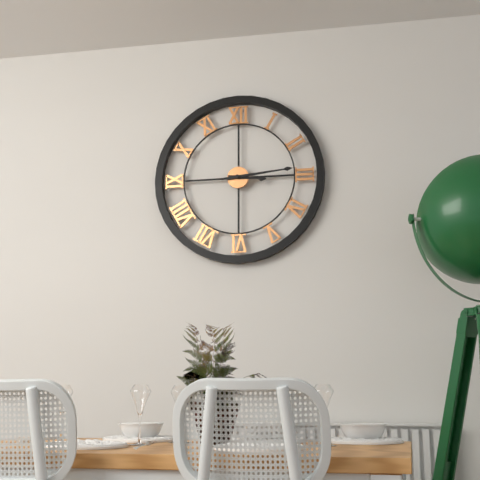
3:14
